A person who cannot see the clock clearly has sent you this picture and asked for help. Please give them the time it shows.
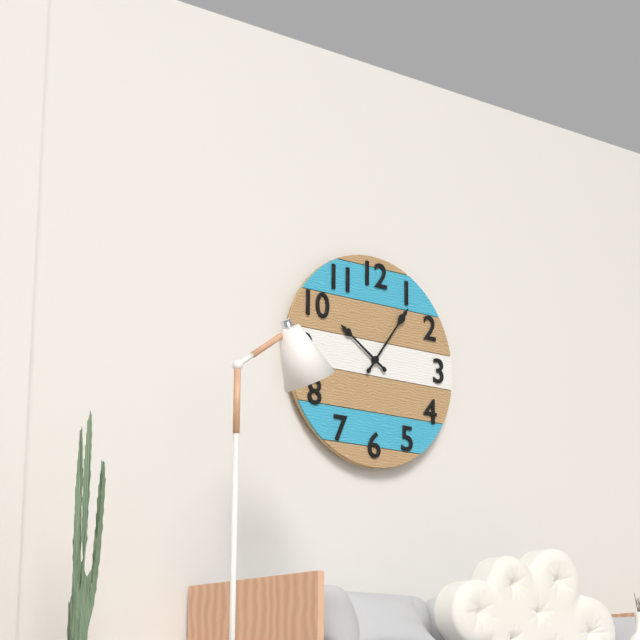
10:06
